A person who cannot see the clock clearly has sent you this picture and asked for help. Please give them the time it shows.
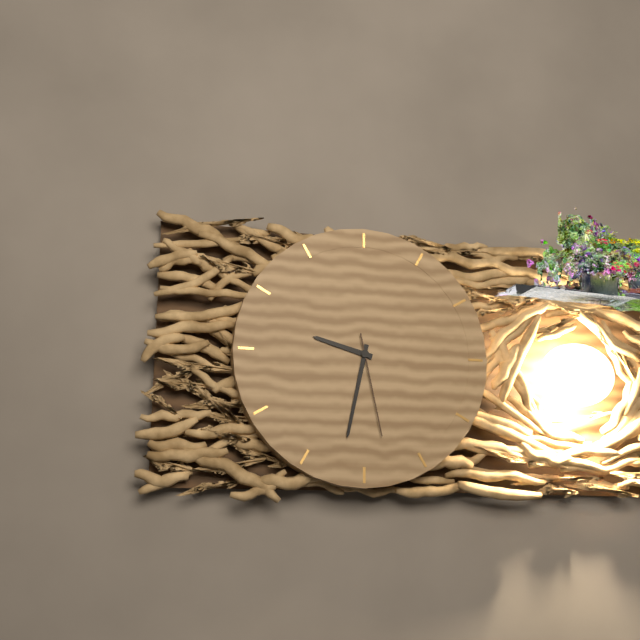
9:32:28
